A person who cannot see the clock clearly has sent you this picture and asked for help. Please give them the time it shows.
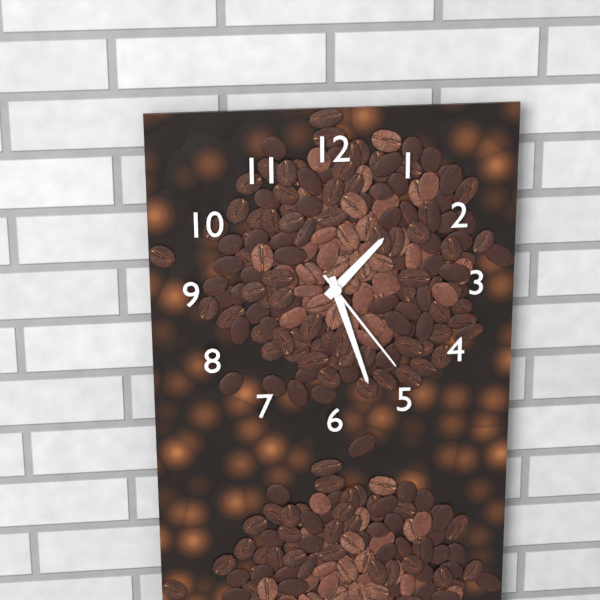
1:27:24
